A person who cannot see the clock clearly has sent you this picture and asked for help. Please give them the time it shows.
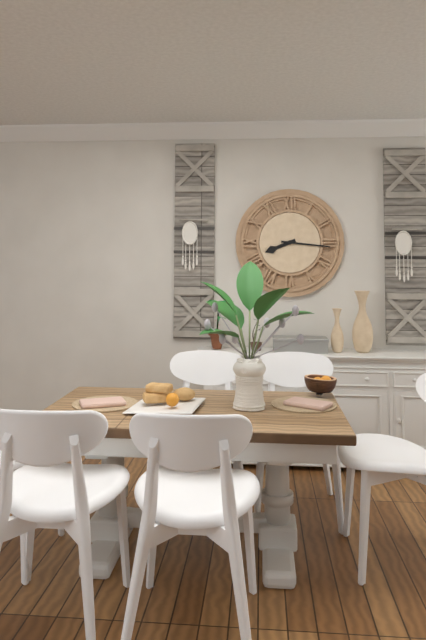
8:16
